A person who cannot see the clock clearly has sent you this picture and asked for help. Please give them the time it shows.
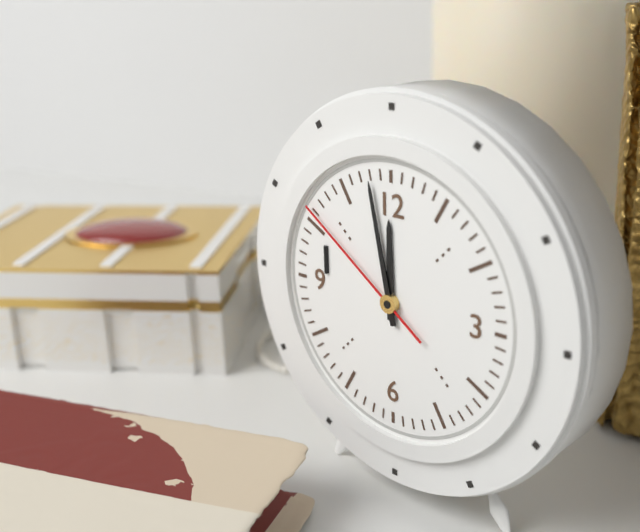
11:58:51
